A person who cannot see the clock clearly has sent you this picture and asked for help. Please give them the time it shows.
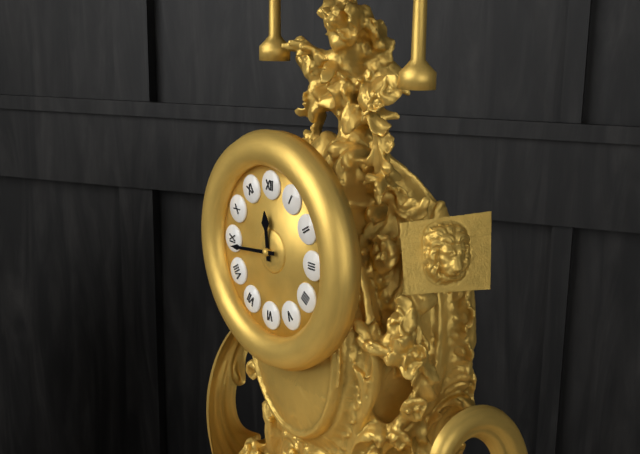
11:44
